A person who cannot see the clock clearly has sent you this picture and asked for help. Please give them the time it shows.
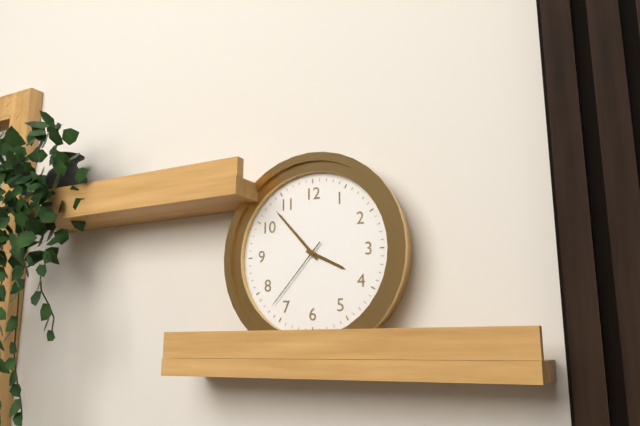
3:53:37
